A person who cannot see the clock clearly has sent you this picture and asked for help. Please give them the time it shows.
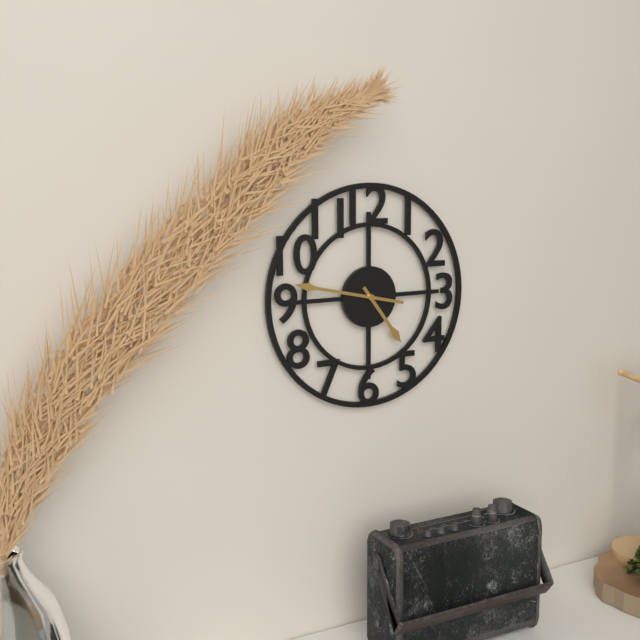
4:47
